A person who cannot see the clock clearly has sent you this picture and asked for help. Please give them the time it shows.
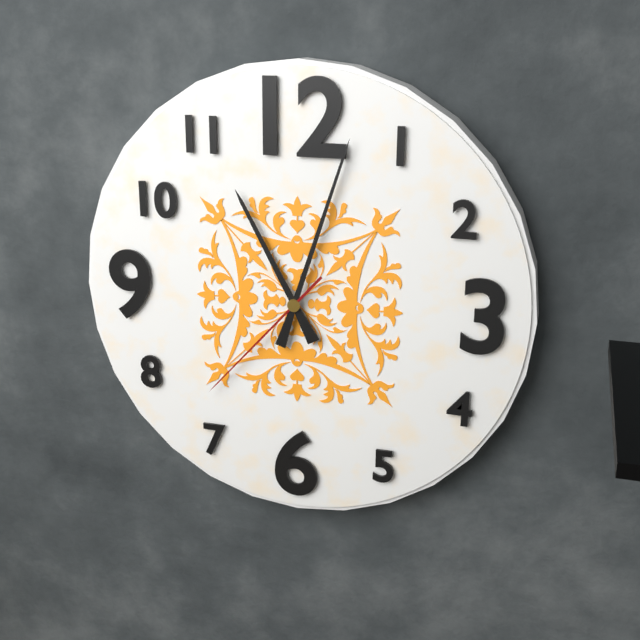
11:03:37
